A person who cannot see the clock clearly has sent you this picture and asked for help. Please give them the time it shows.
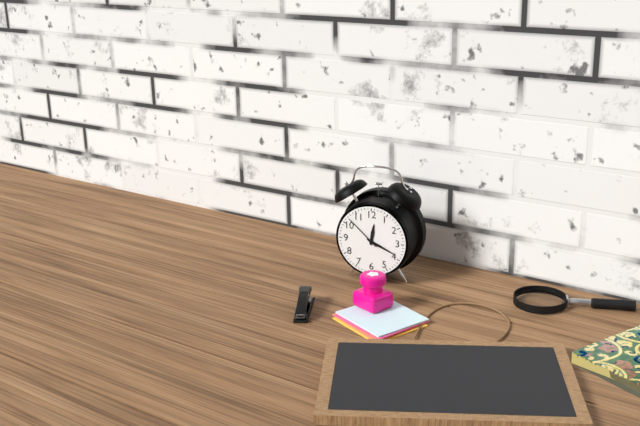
12:19
